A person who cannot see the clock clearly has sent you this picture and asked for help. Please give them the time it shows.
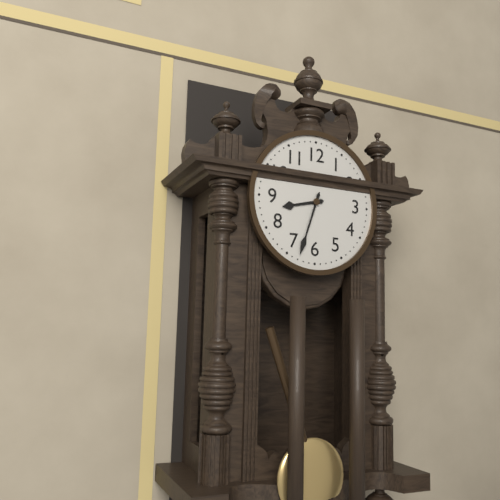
8:33
